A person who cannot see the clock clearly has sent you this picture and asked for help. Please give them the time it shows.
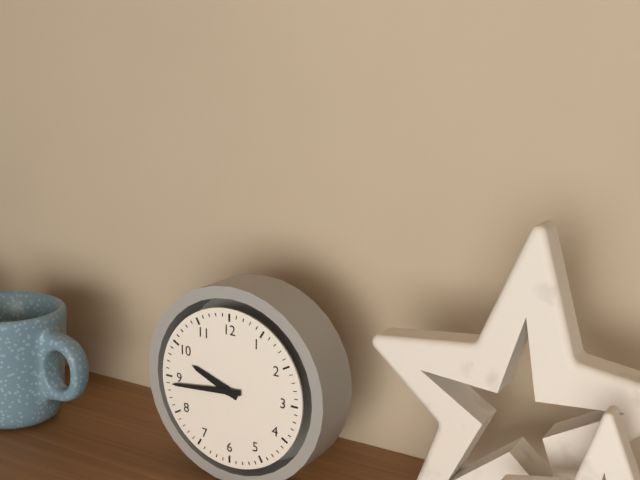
9:44
